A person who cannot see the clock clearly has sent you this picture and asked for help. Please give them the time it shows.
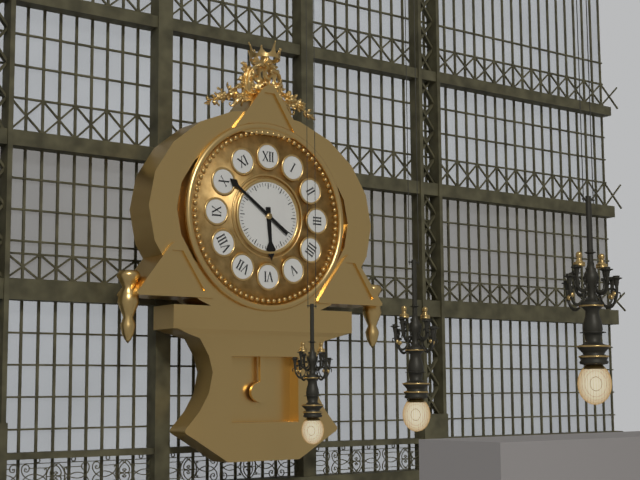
5:51
